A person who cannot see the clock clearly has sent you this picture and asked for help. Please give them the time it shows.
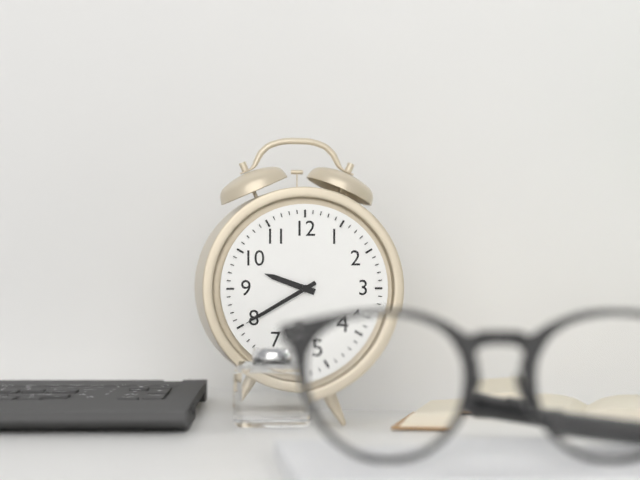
9:40
